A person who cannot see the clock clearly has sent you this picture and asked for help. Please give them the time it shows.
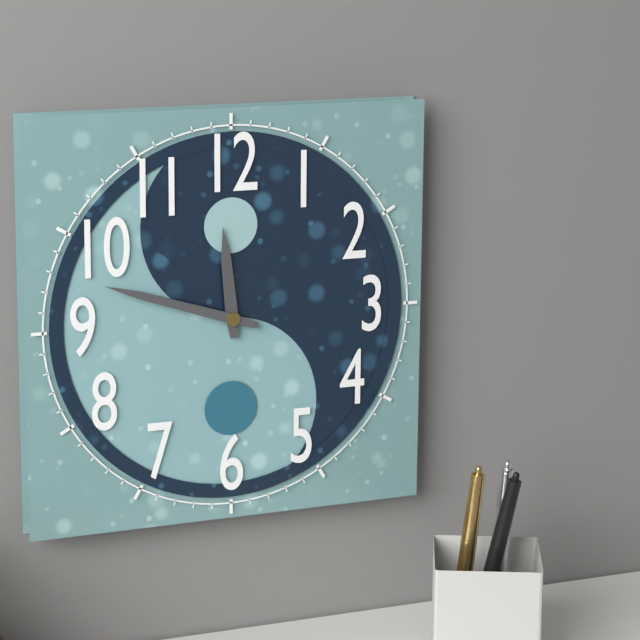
11:48
